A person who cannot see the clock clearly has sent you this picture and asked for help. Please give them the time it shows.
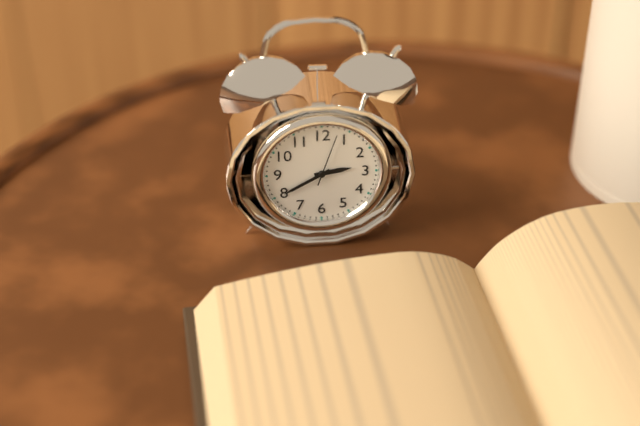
2:40:03
